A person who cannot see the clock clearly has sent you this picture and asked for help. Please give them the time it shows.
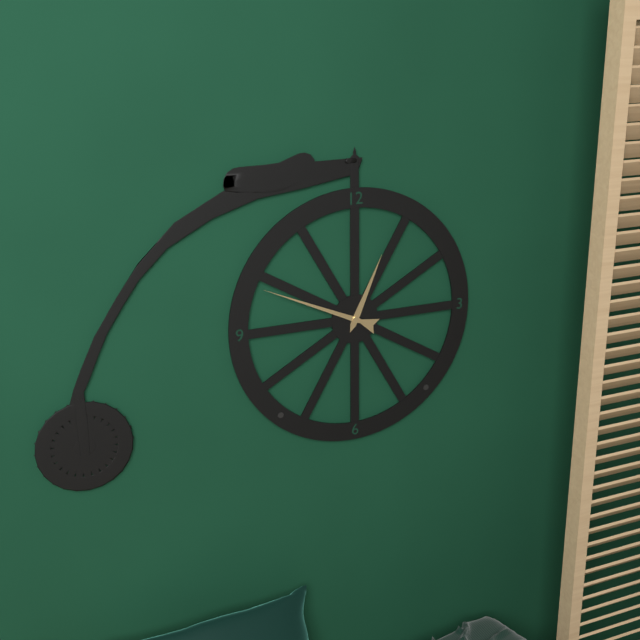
12:49
